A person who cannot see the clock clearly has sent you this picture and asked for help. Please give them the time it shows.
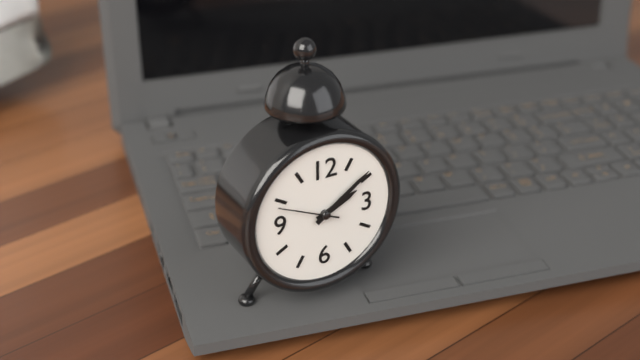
2:09:49
